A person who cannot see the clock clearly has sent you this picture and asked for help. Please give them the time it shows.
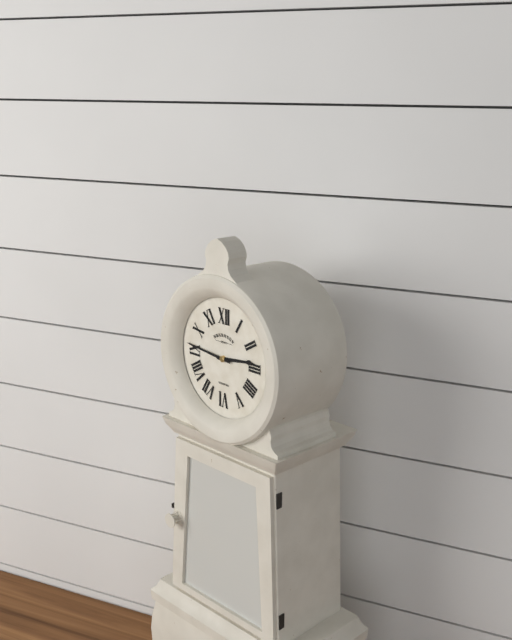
2:46
